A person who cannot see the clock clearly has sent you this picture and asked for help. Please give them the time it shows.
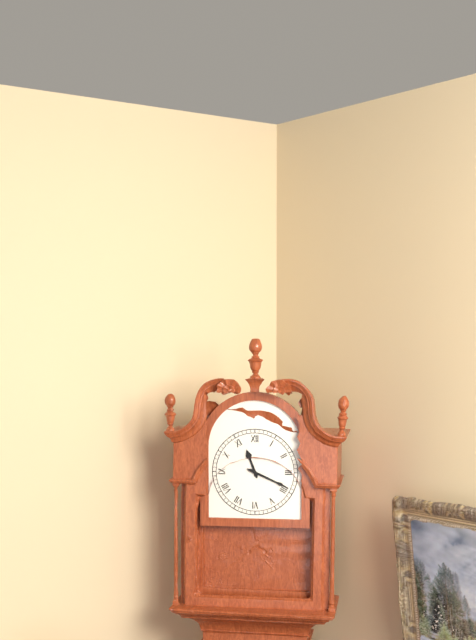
11:19
